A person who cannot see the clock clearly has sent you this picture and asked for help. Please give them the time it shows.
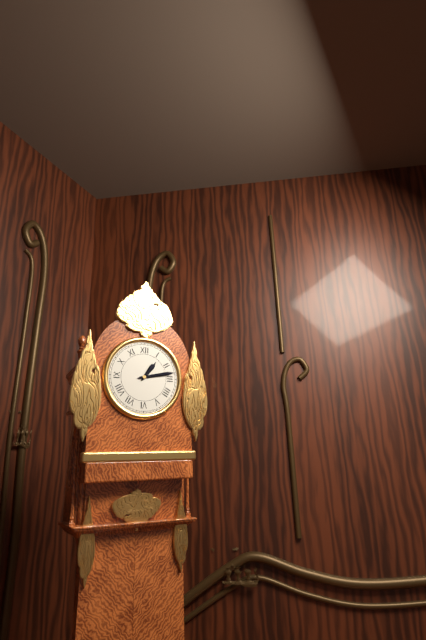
1:13
